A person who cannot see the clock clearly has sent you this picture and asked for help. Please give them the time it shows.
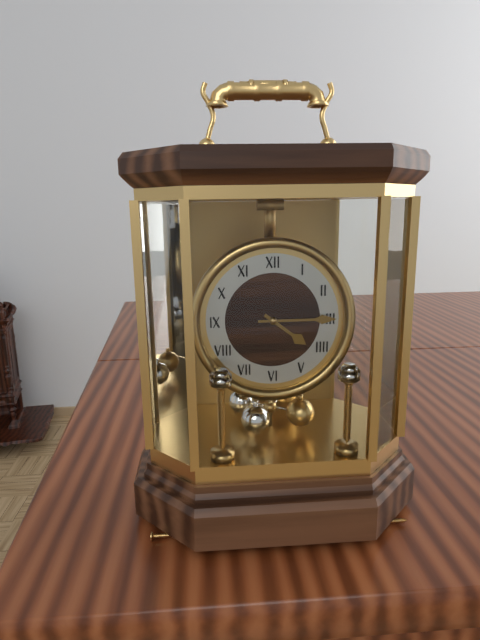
4:15
